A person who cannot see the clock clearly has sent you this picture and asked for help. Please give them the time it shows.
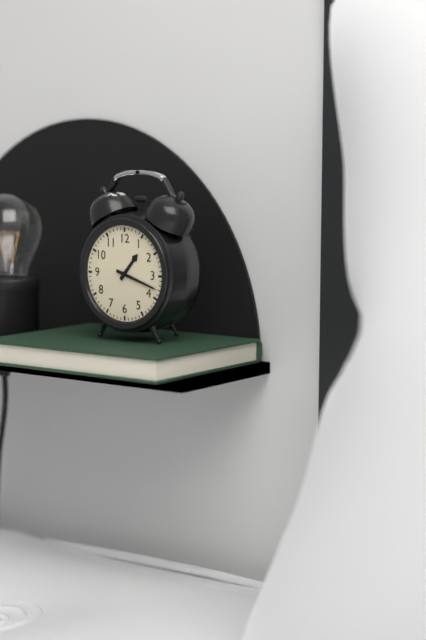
1:18
